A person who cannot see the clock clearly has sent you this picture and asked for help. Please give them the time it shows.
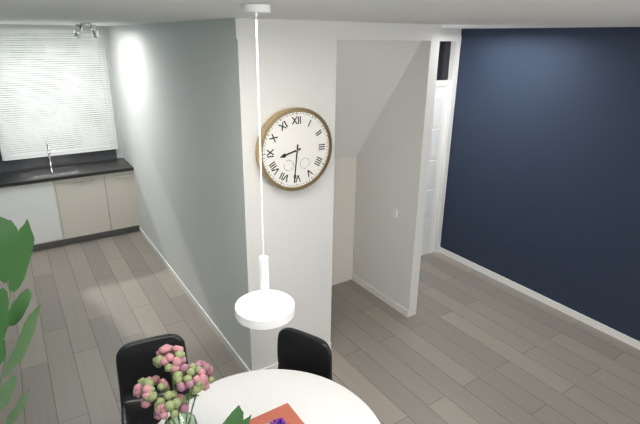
8:31
